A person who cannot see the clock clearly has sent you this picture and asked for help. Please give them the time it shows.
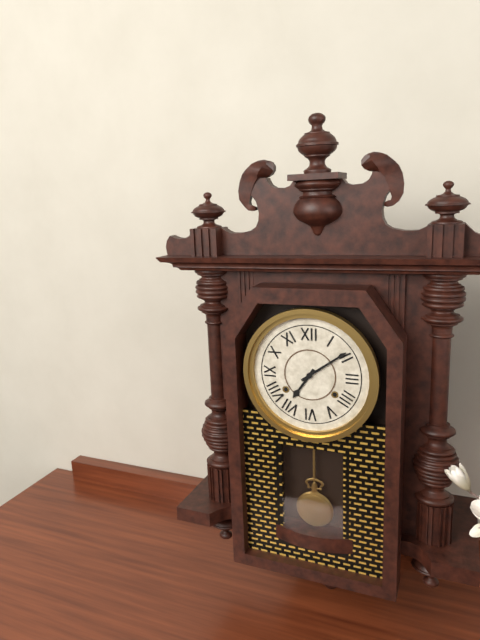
7:09
